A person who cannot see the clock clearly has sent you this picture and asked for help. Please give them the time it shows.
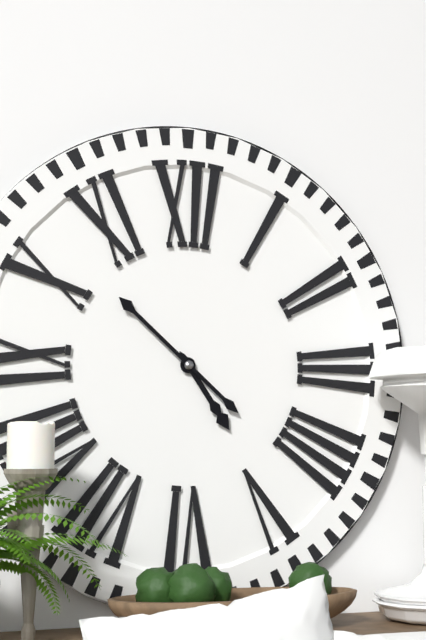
4:52
